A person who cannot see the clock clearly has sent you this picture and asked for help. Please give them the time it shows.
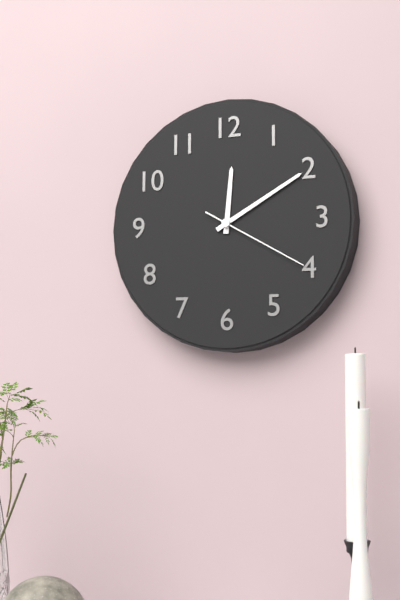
12:10:20
